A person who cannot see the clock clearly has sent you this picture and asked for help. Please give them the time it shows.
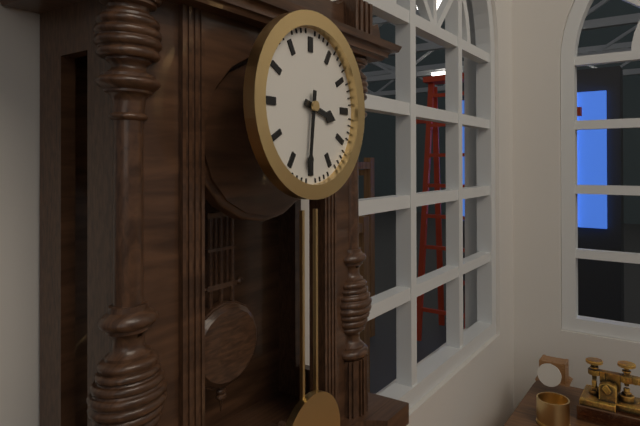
3:31
